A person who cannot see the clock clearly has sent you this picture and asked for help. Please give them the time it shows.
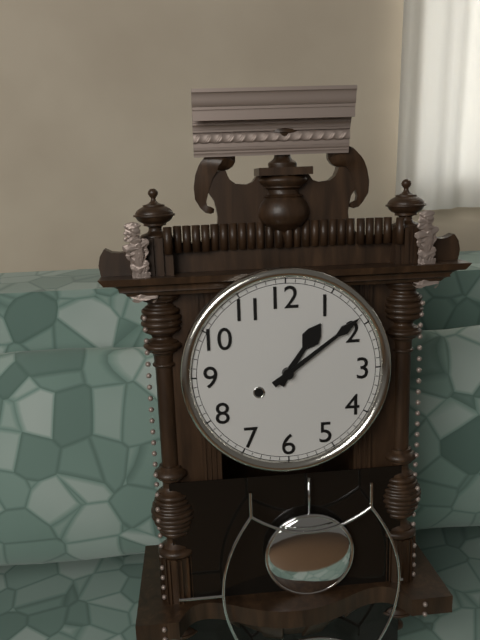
1:09
